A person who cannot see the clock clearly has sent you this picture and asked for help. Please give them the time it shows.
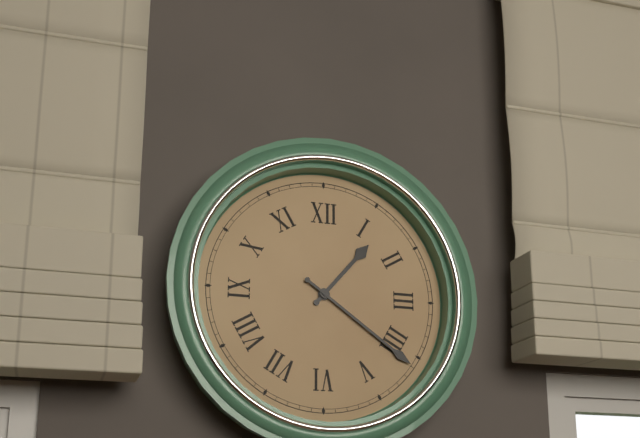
1:21
